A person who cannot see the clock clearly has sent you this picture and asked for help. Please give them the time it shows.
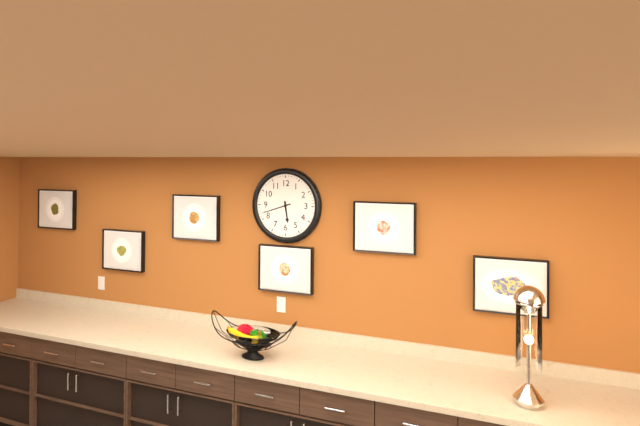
5:42
